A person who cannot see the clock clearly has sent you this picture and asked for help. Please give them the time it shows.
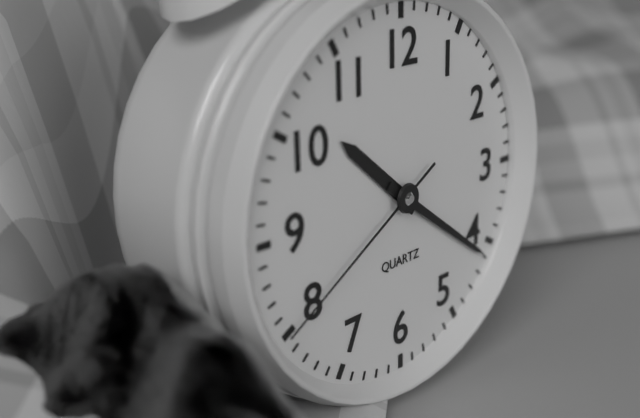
10:21:40
